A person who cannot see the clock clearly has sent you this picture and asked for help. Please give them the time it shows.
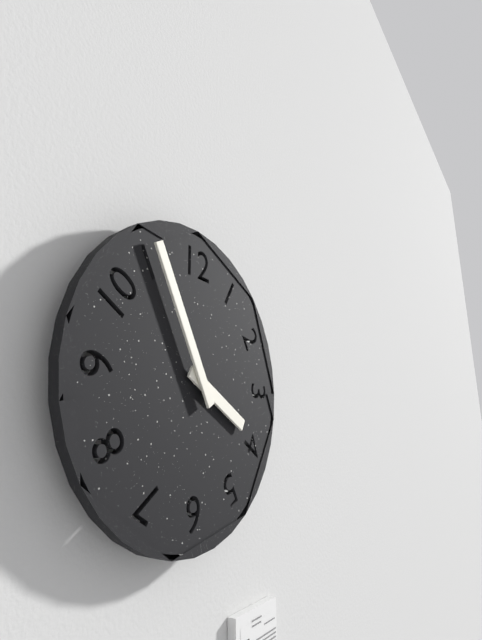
3:55
